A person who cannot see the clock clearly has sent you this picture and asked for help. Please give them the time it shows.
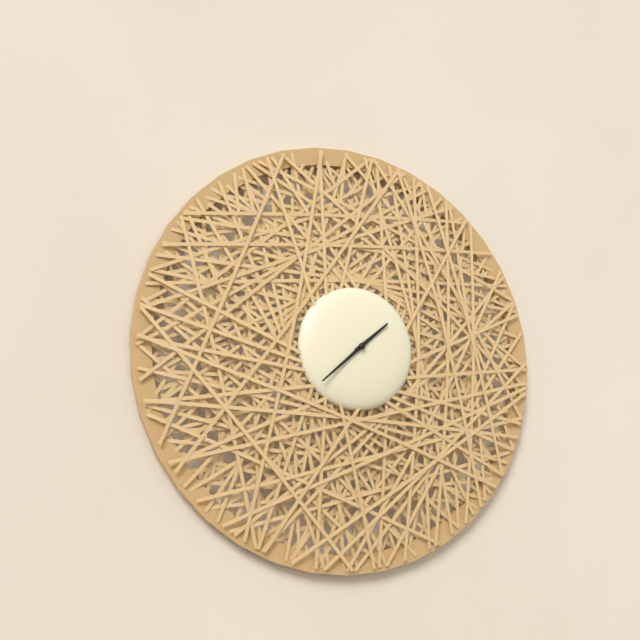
1:38
